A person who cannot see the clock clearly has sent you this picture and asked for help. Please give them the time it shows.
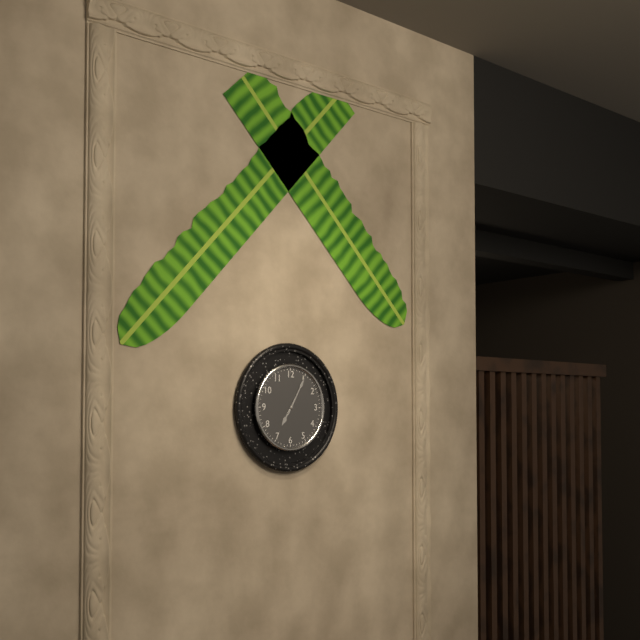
7:05
